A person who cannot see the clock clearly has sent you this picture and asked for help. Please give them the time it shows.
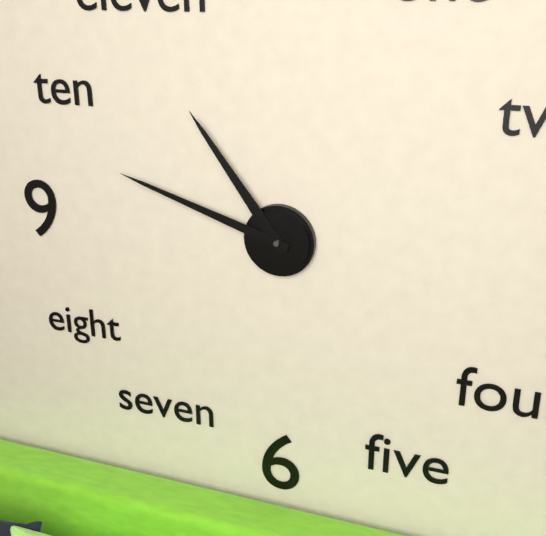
10:48
